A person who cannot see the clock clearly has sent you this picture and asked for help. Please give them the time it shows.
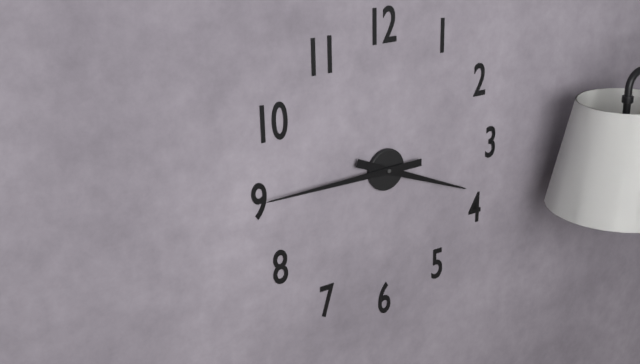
3:45
